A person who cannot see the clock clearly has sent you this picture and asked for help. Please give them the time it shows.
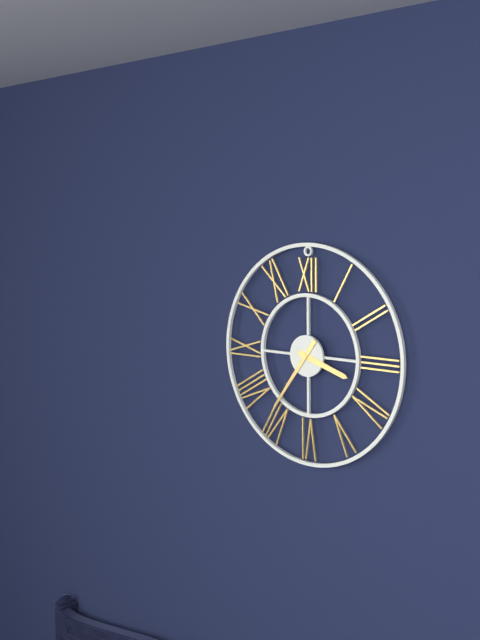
3:36
